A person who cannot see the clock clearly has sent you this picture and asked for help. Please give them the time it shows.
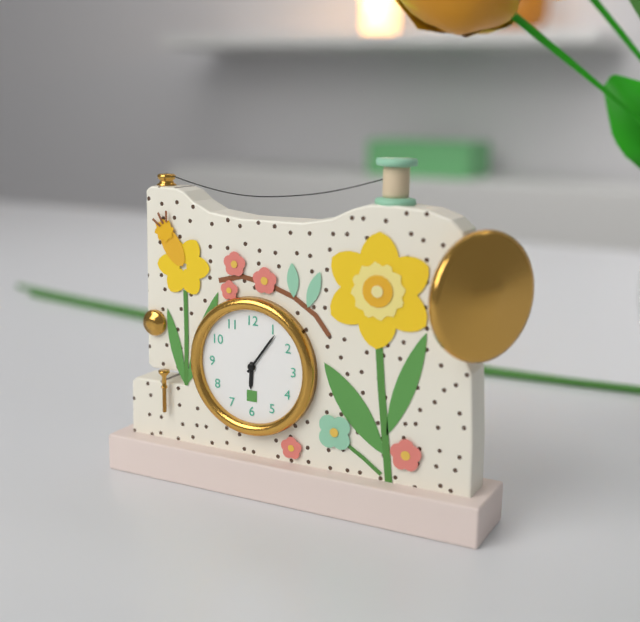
6:06
